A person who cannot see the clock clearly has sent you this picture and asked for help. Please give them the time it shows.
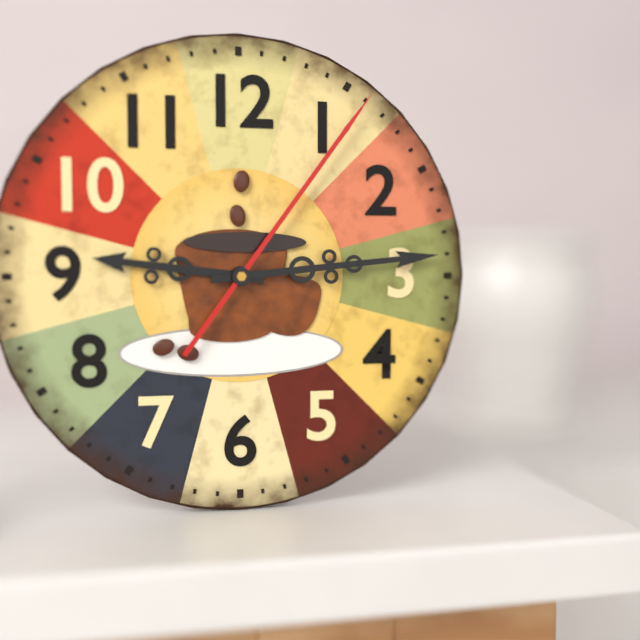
9:14:06
